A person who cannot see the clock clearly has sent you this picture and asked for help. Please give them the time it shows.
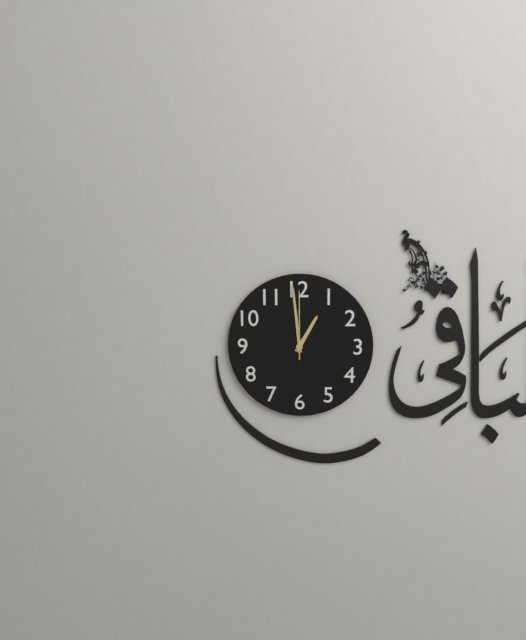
12:59:00
